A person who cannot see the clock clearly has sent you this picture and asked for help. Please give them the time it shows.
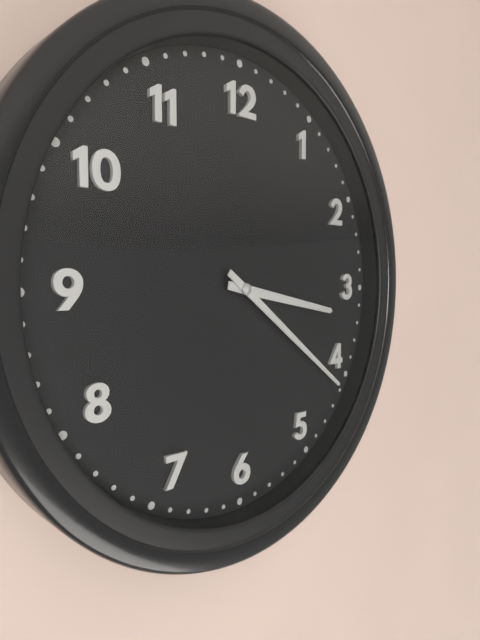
3:21
